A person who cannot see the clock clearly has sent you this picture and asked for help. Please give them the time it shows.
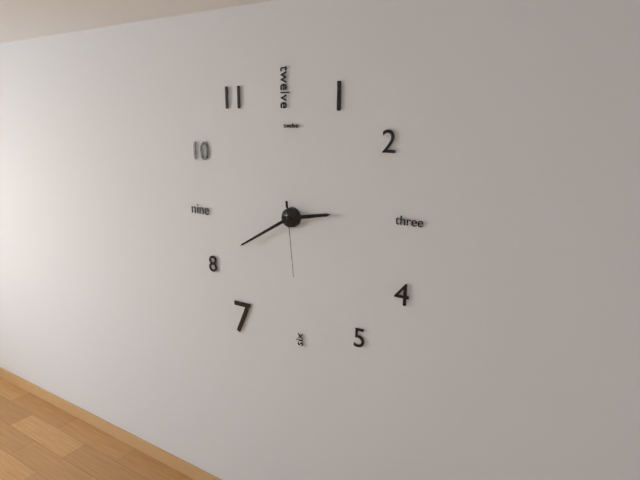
2:40:29
